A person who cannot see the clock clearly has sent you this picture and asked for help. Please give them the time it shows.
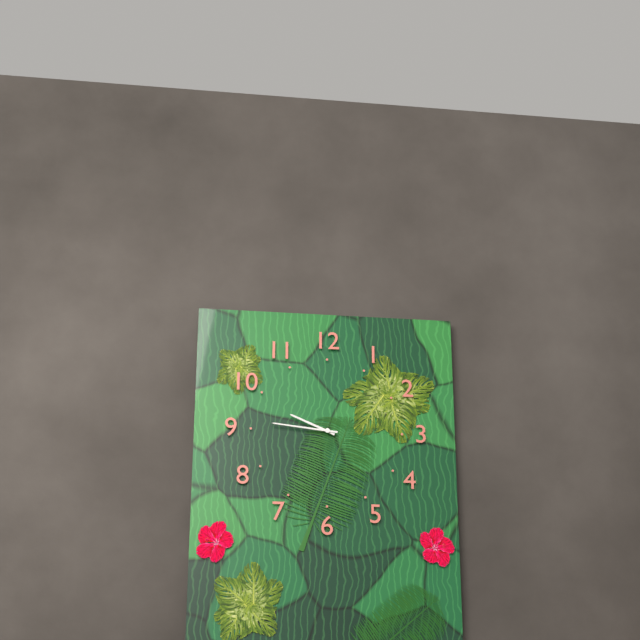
9:46
